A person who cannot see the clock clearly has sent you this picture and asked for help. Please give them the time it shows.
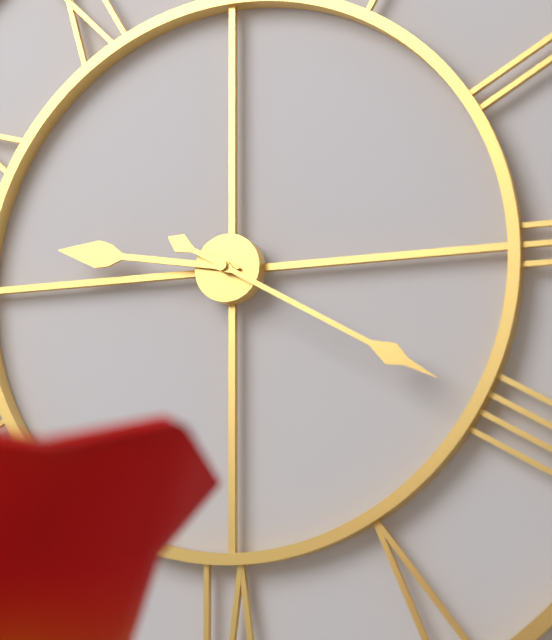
9:20
